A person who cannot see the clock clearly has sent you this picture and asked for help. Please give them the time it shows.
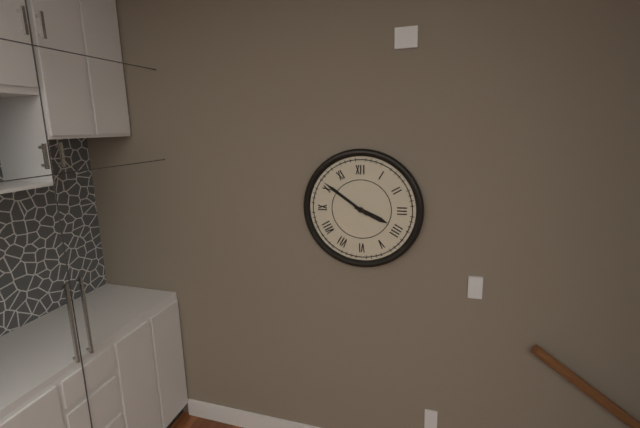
3:51
